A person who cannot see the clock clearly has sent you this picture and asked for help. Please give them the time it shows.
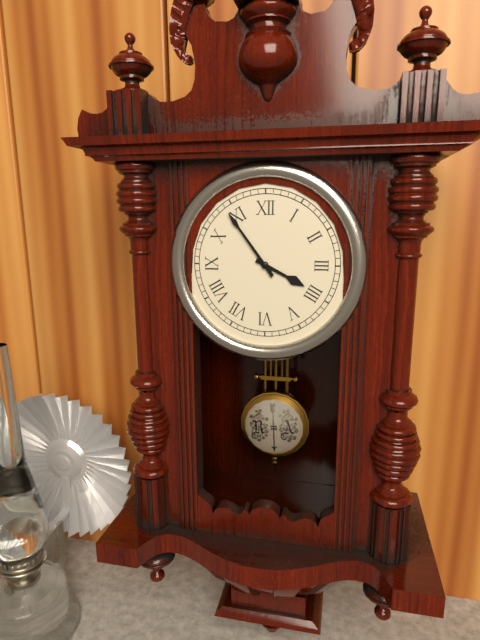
3:54
